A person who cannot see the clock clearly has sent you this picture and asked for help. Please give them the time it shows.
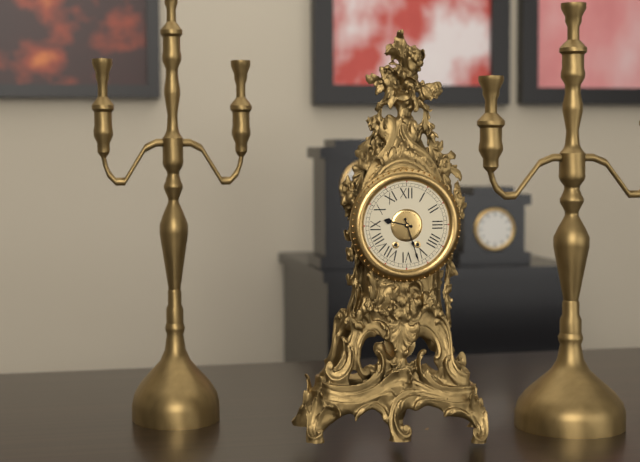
9:27
